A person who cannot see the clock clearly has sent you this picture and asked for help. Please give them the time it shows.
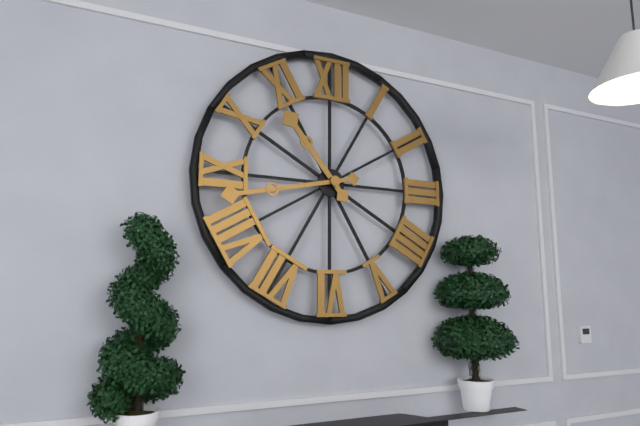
10:43
